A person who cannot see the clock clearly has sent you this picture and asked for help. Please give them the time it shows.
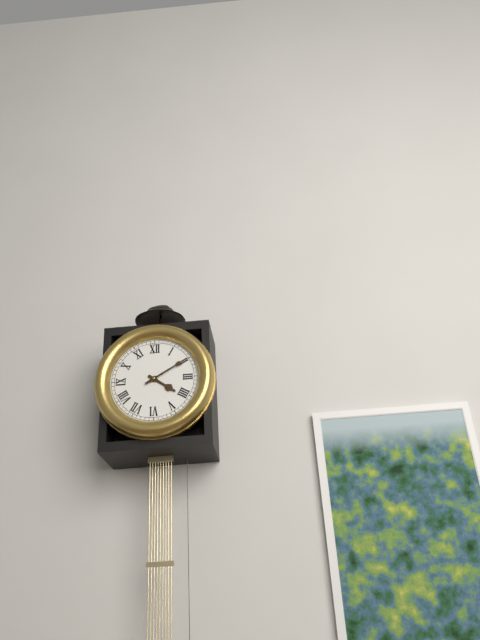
4:10
